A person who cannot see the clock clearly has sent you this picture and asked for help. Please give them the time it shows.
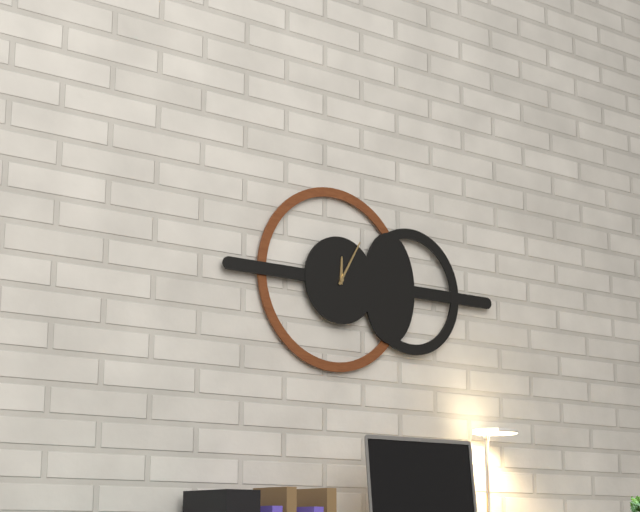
12:05
